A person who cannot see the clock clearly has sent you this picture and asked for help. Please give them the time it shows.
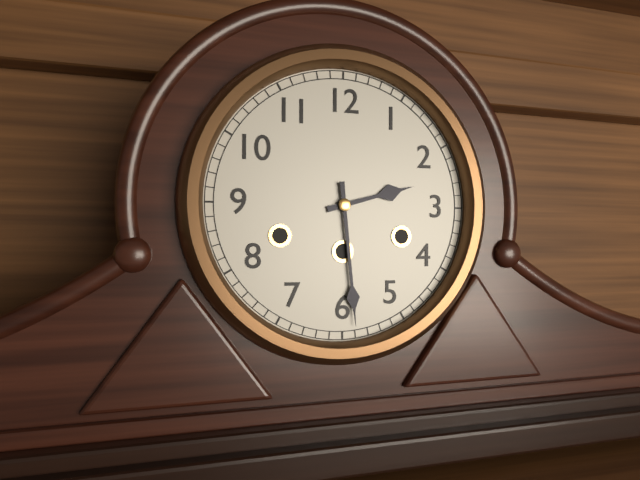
2:29
